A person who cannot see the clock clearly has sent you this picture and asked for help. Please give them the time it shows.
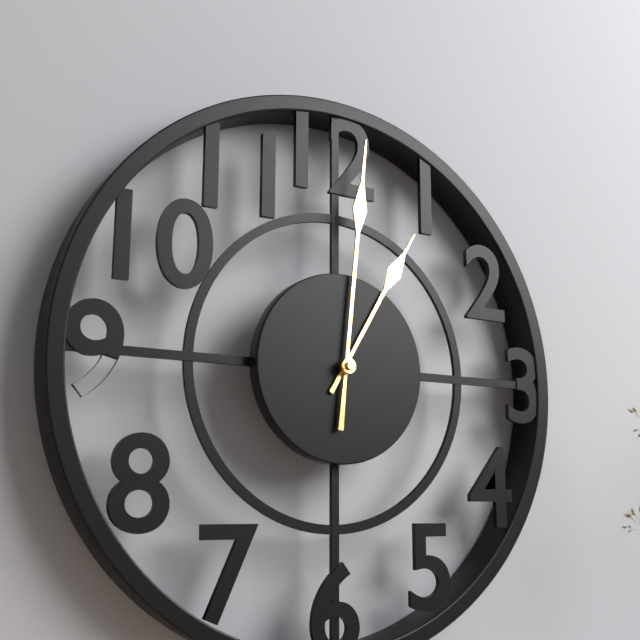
1:01
